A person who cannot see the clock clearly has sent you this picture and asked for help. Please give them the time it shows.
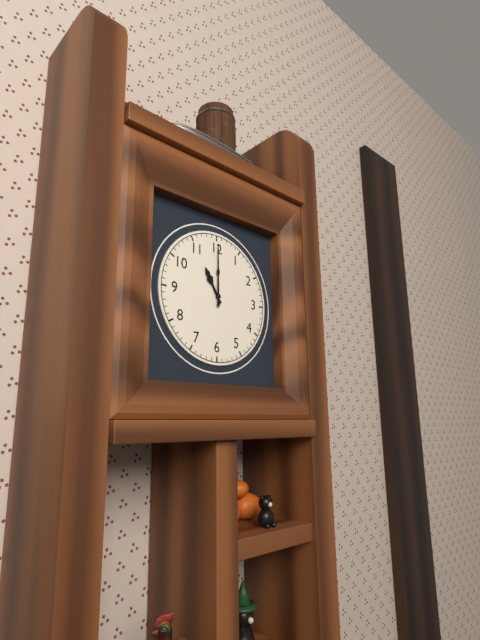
11:00
